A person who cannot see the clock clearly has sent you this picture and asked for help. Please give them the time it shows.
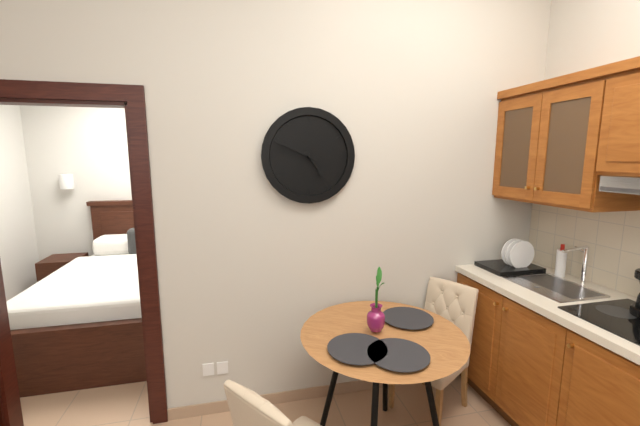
4:49
